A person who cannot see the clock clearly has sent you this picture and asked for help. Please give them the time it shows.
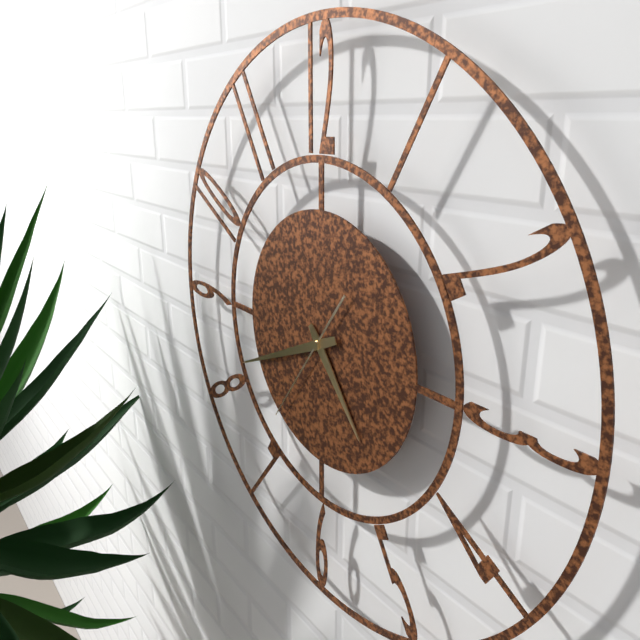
4:41:36
